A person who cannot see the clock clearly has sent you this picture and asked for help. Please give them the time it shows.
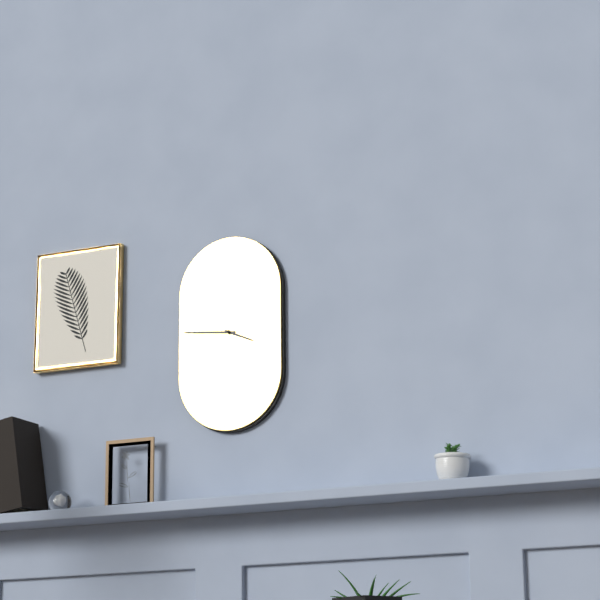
3:46
